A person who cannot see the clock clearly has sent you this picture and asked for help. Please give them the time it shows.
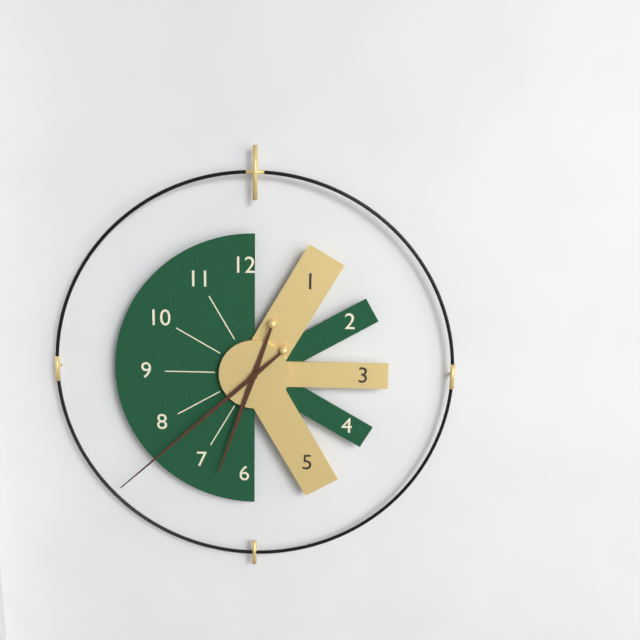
6:38
